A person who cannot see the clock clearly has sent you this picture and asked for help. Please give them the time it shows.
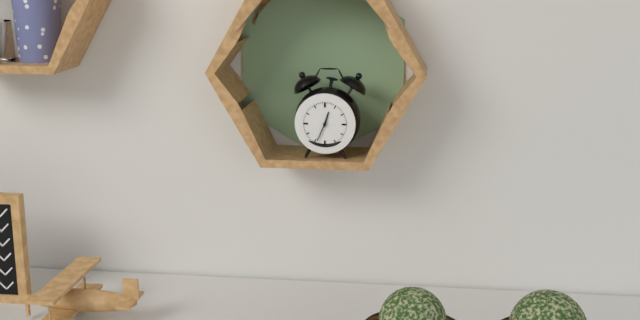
12:34
